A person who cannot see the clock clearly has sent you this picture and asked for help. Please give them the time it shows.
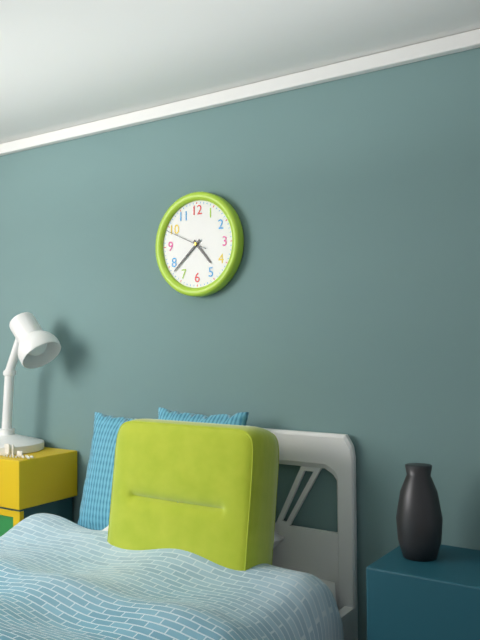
4:38
